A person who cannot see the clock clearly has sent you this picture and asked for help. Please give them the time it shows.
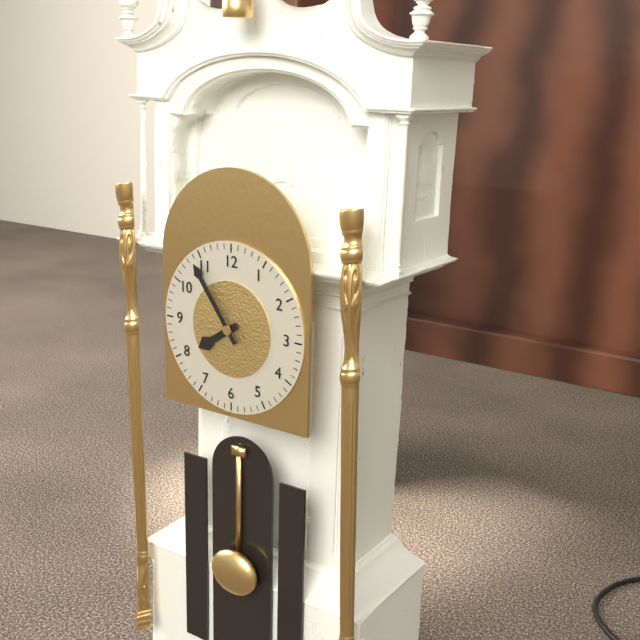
7:54
